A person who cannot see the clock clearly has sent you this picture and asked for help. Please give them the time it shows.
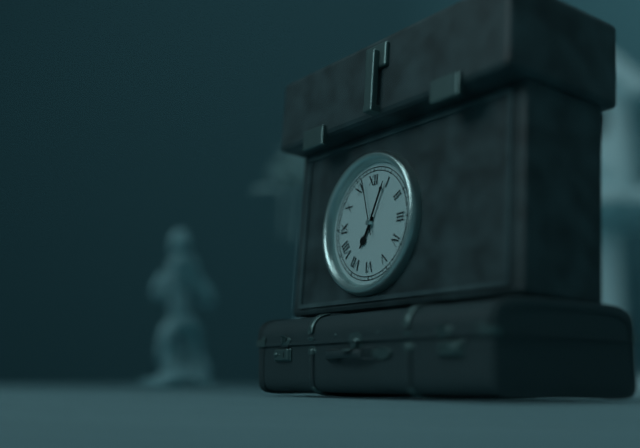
7:04:57
